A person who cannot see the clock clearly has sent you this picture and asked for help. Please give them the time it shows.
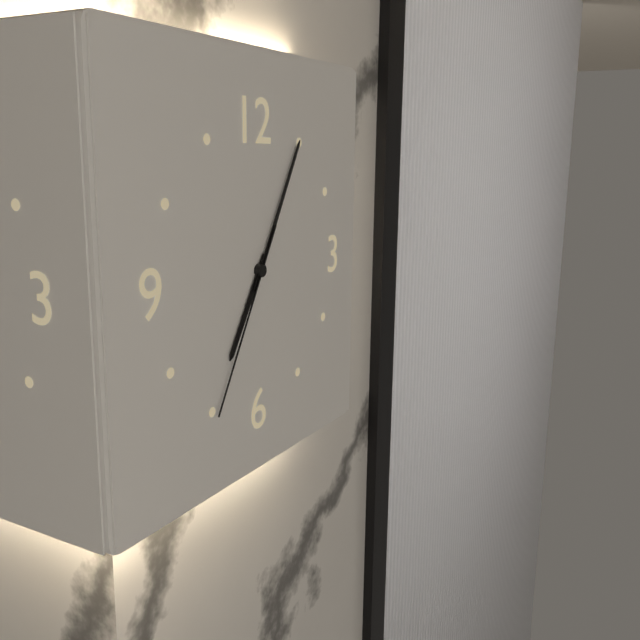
7:05:35
